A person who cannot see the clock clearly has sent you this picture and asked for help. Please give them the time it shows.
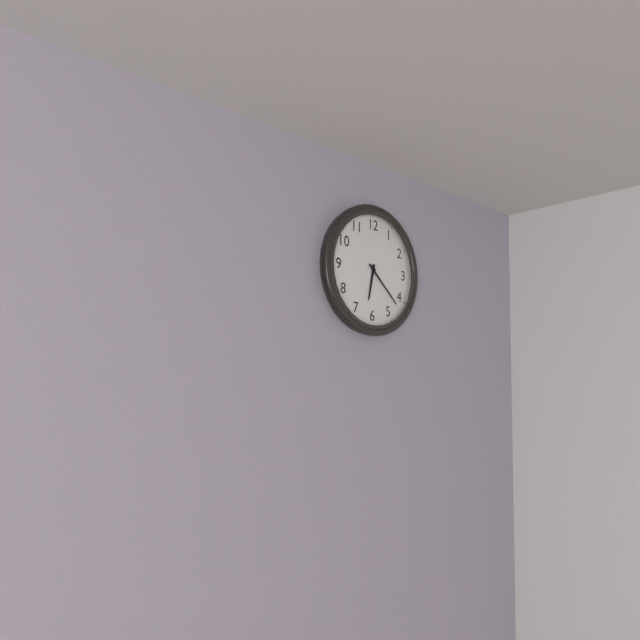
6:22
